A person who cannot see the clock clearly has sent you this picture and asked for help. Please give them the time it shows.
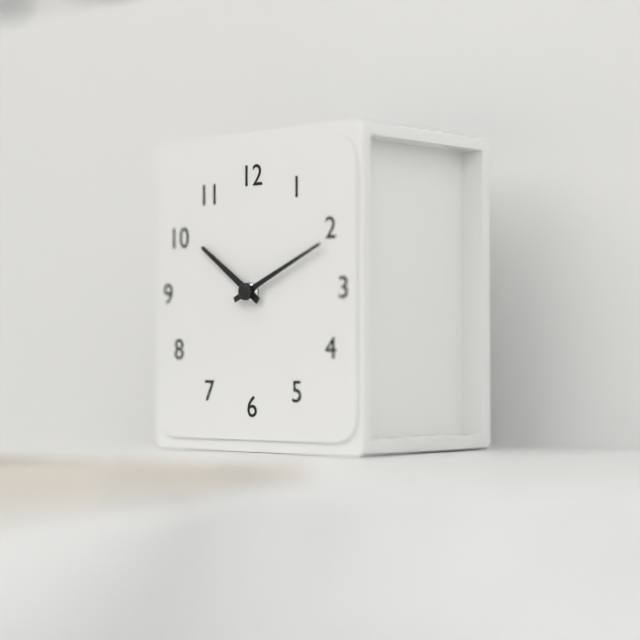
10:11
